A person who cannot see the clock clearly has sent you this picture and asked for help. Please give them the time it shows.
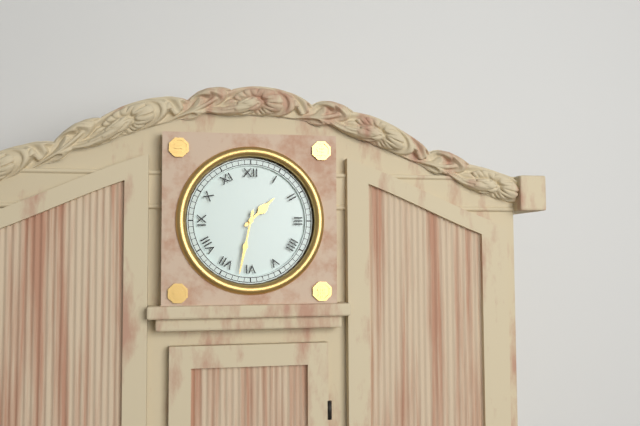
1:32
